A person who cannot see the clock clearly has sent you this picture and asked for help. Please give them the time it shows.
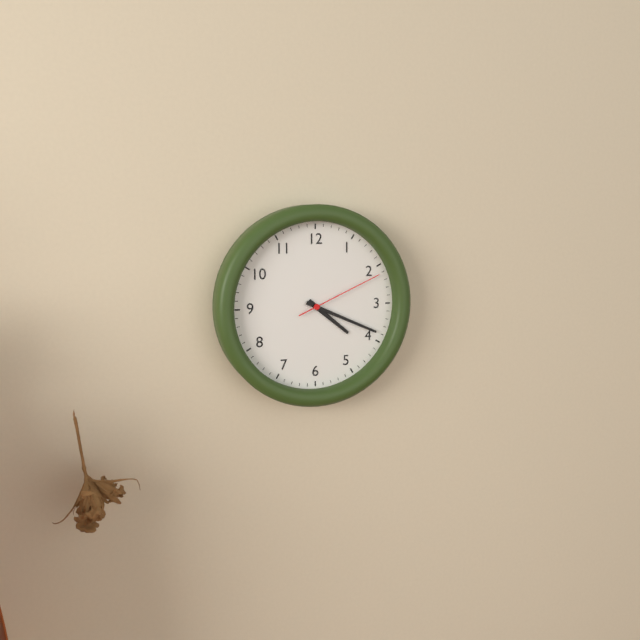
4:19:11
